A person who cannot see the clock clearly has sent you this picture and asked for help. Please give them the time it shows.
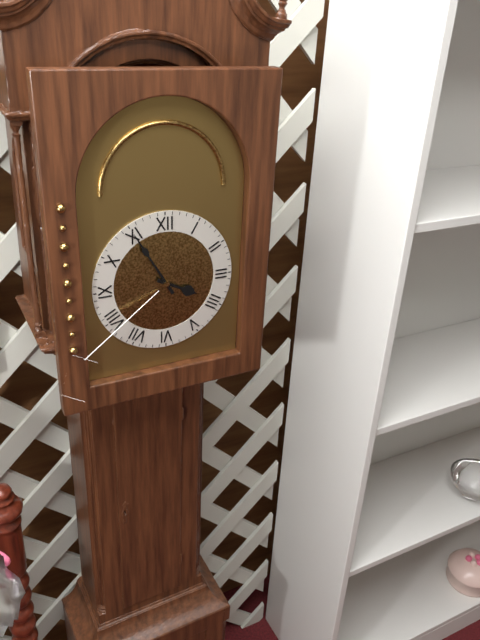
3:55
